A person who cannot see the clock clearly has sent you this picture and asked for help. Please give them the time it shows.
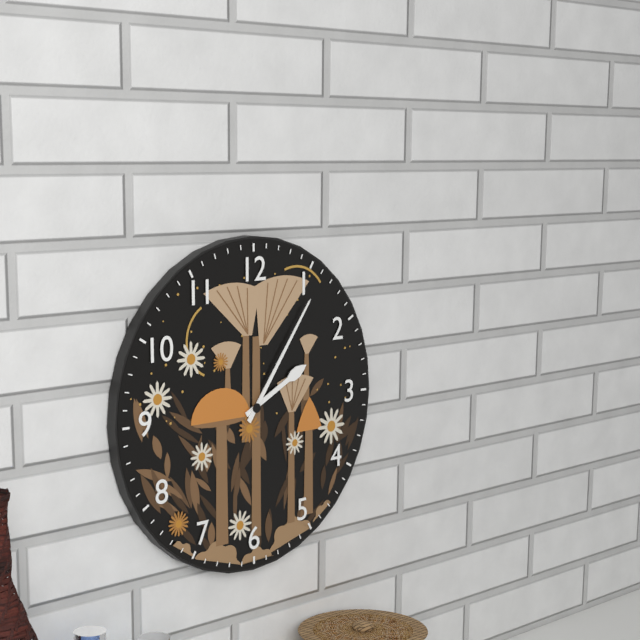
2:06
